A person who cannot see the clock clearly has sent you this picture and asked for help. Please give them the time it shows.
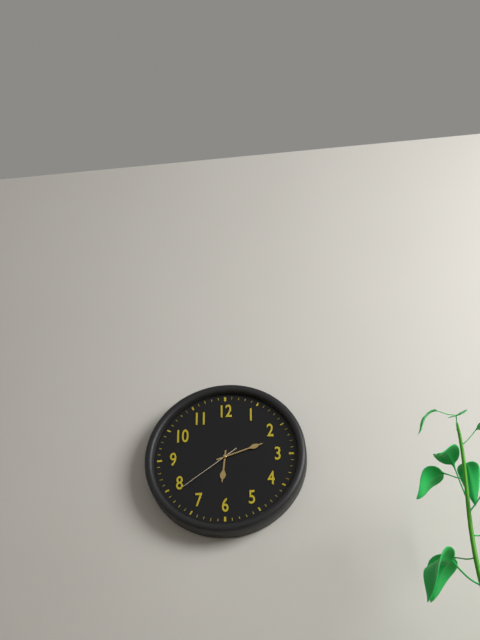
6:12:39
